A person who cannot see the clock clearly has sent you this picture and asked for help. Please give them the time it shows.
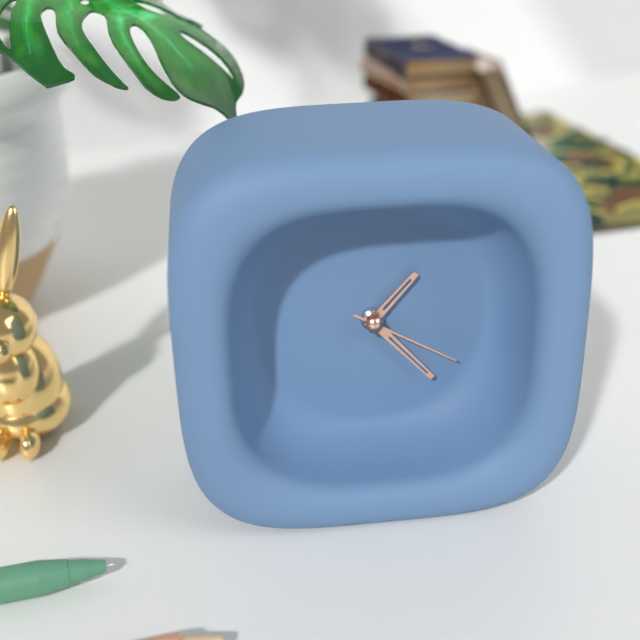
1:23:20
